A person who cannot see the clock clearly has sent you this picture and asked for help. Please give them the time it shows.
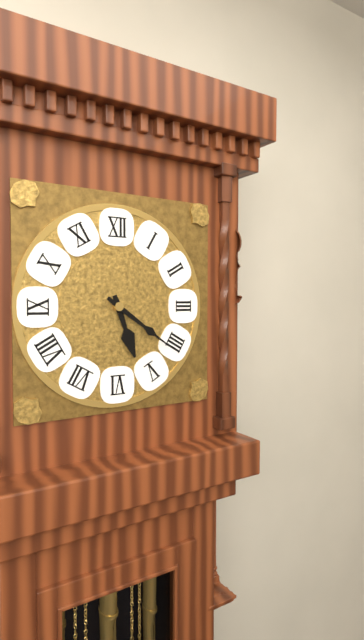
5:21
